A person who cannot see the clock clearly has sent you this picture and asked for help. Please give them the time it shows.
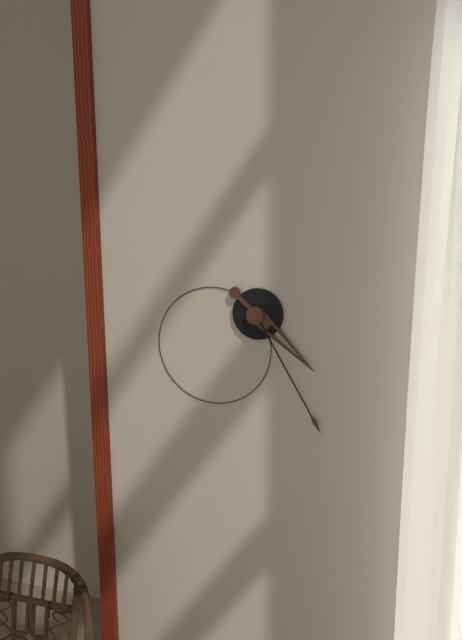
4:25
